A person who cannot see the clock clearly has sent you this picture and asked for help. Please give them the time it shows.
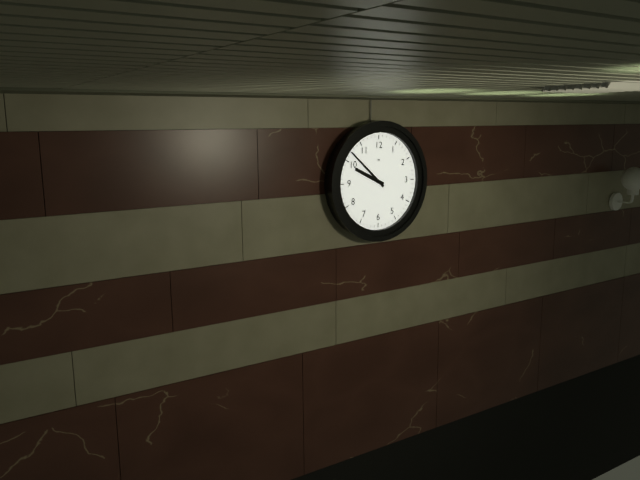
9:52
